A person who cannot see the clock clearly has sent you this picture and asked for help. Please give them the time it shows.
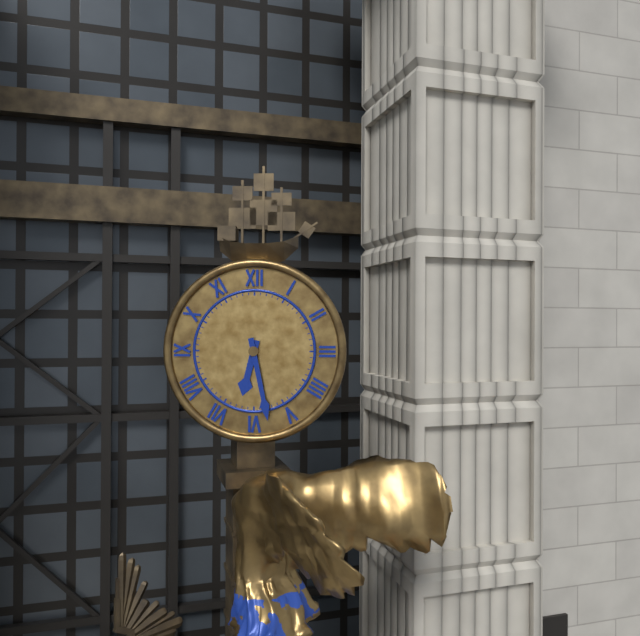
6:28
